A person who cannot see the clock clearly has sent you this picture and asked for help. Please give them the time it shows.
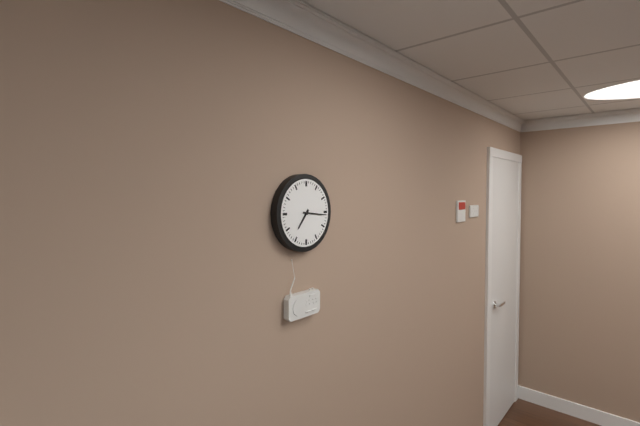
7:16
